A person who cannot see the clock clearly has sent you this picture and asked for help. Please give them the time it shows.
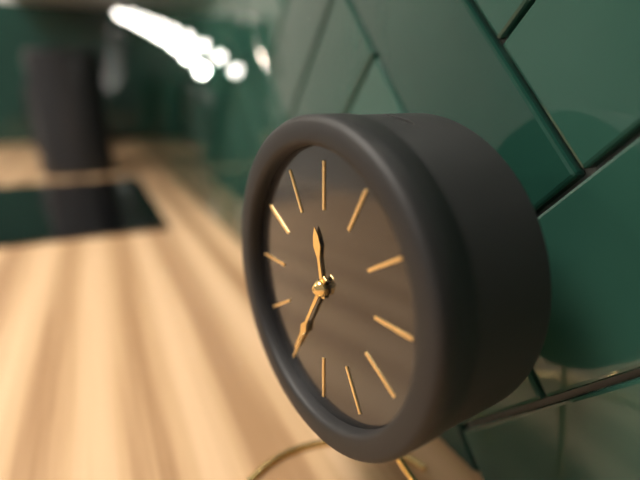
11:35
